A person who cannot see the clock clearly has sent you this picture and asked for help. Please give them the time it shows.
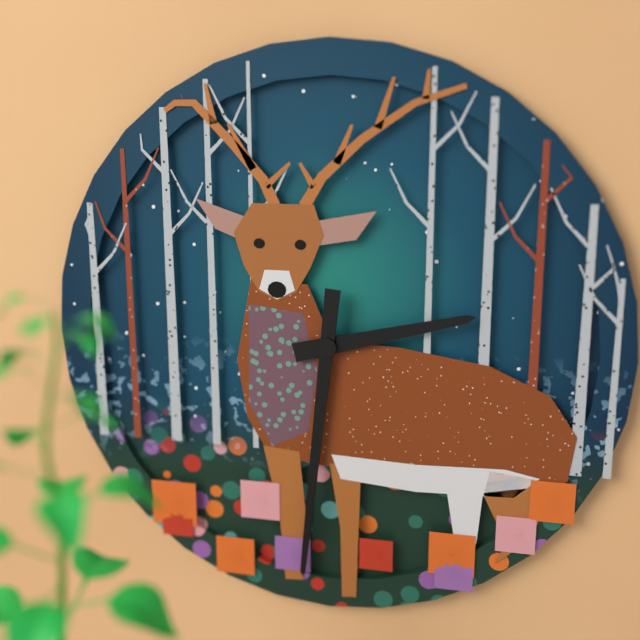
2:31
